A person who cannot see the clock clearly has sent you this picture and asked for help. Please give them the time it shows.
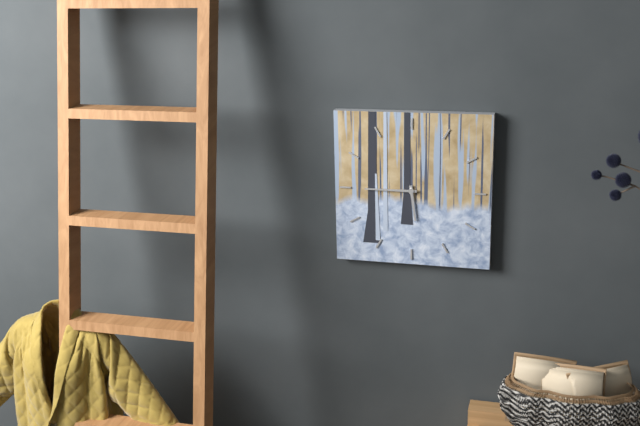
5:45
